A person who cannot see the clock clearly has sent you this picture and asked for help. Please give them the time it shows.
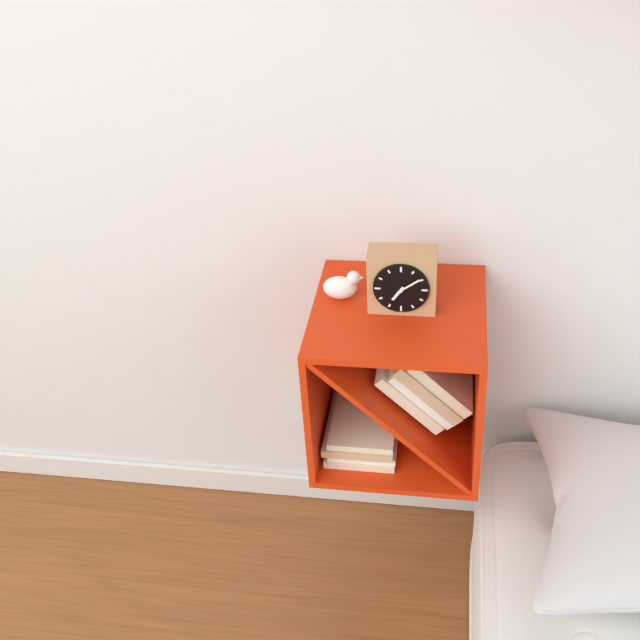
7:09
